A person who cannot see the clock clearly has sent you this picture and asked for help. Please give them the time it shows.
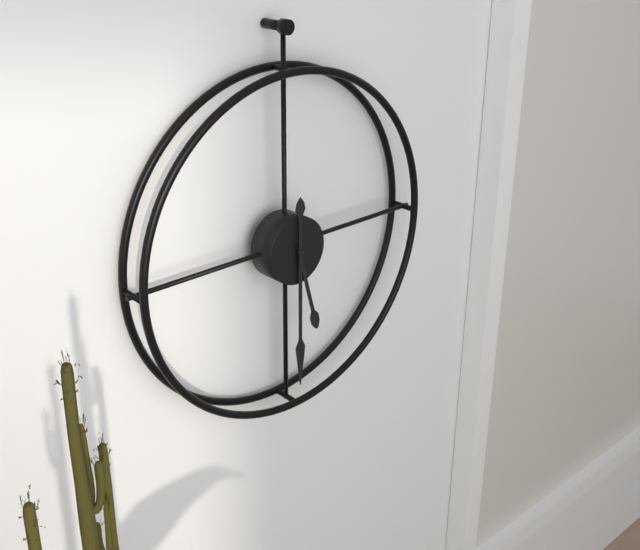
5:30
